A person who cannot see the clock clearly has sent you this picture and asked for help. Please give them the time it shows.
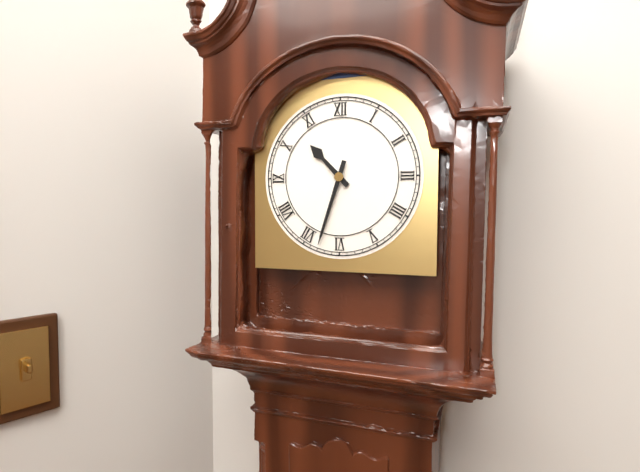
10:33
